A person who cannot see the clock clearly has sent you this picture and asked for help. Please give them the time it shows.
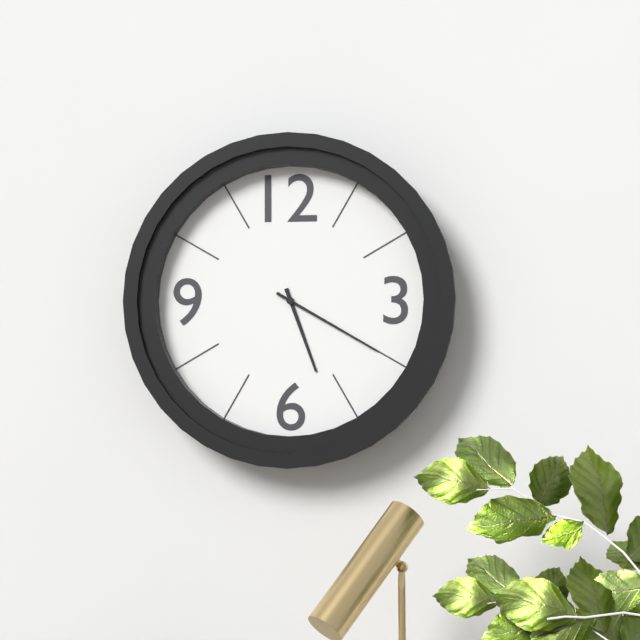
5:20
